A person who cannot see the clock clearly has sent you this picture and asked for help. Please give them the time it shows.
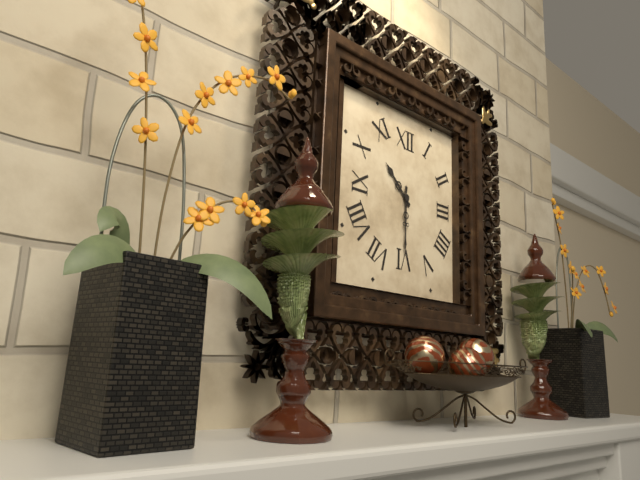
10:30
